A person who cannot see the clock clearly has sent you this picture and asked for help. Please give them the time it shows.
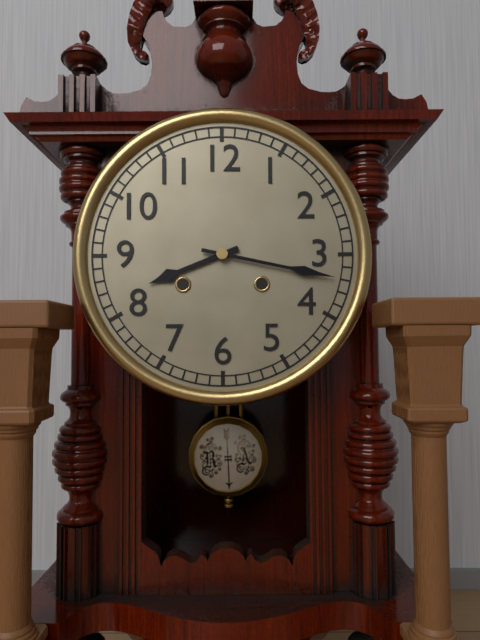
8:17
